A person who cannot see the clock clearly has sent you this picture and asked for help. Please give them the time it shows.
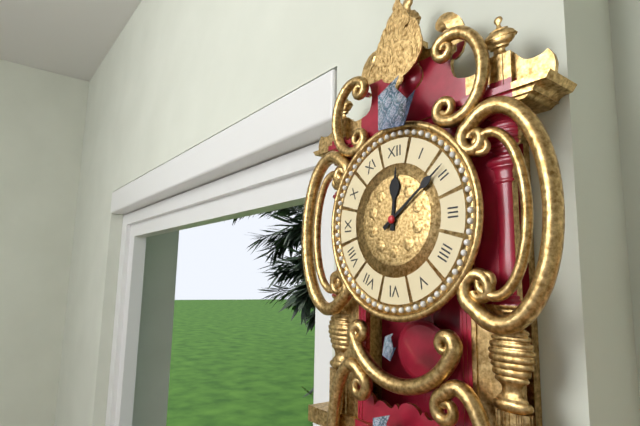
12:09
